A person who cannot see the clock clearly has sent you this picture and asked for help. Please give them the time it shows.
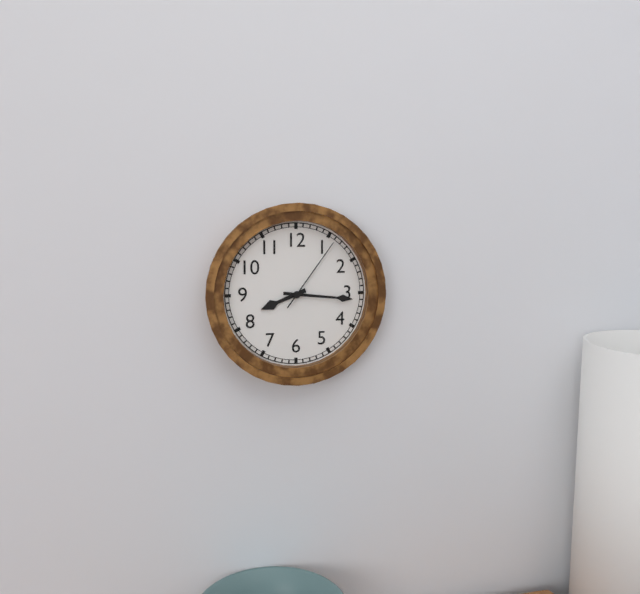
8:16:06
